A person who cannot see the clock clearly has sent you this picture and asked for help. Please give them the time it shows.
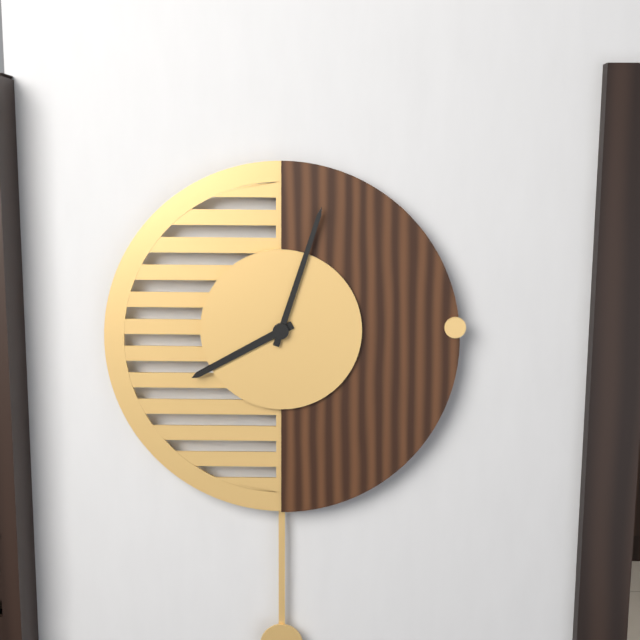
8:03
